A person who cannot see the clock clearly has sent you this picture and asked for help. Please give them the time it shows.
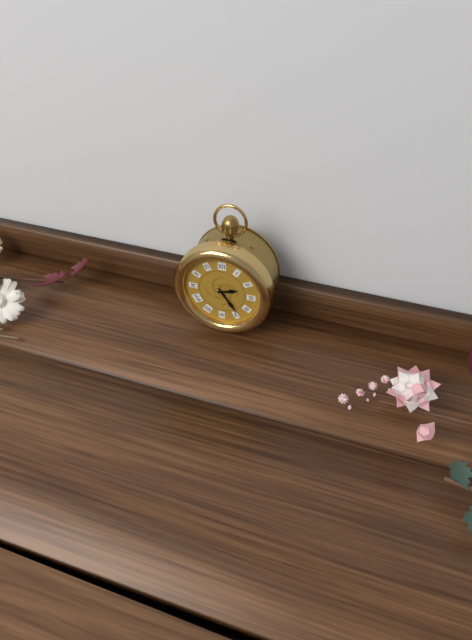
2:24
